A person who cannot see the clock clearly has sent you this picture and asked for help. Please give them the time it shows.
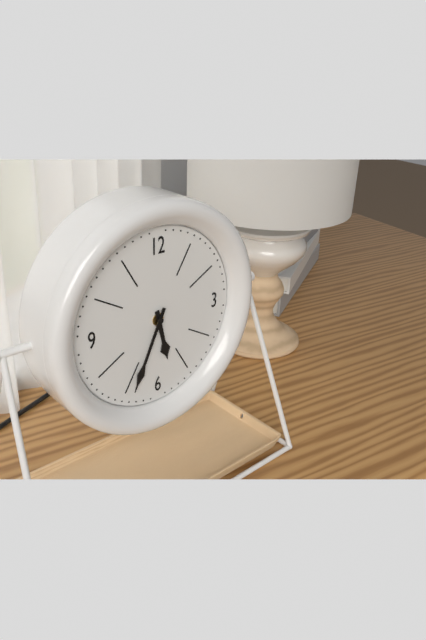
5:34
